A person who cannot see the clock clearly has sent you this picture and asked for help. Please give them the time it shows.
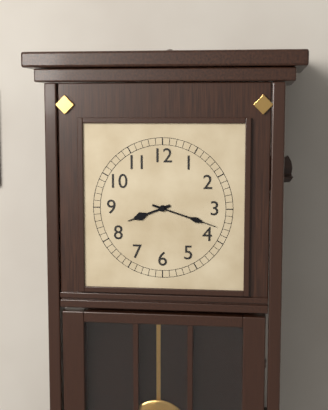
8:18
